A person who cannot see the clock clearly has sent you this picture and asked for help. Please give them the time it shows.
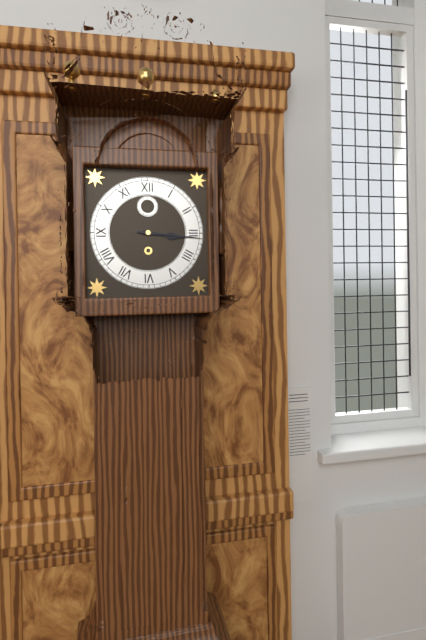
3:16
